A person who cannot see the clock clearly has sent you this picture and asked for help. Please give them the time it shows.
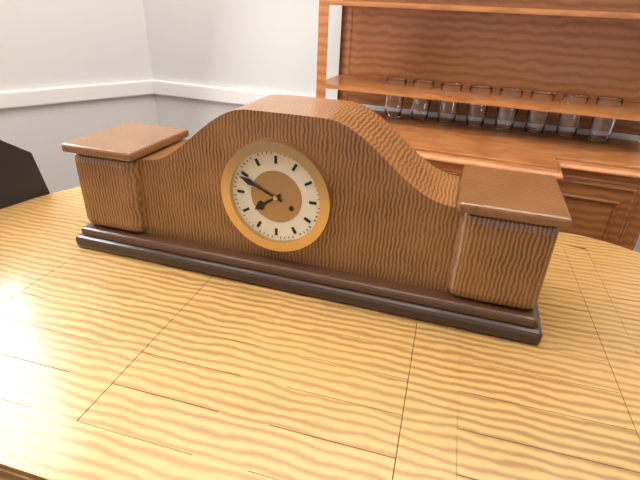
7:49
